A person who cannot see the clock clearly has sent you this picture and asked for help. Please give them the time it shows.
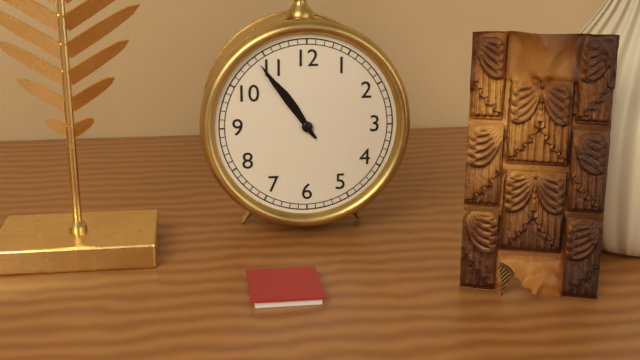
10:54
